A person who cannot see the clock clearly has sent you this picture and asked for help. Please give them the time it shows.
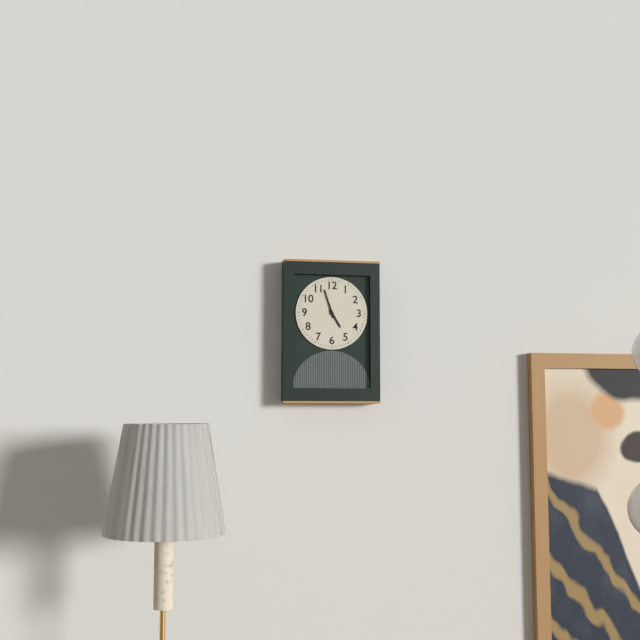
4:57
